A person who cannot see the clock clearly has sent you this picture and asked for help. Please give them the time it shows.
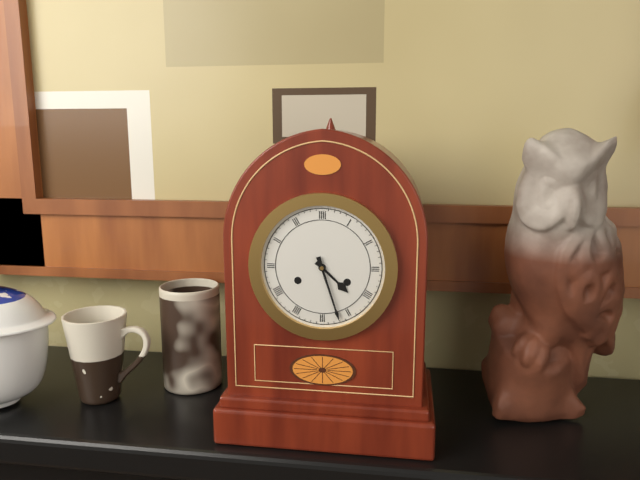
4:27
